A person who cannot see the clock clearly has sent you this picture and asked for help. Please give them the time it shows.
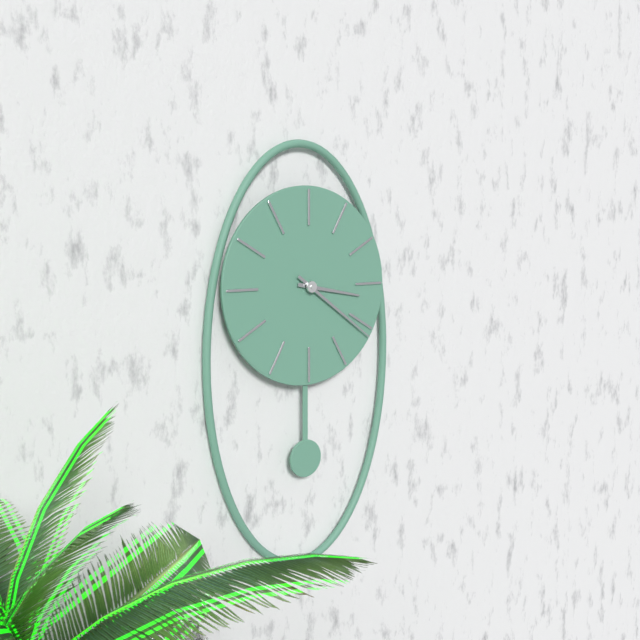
3:21
